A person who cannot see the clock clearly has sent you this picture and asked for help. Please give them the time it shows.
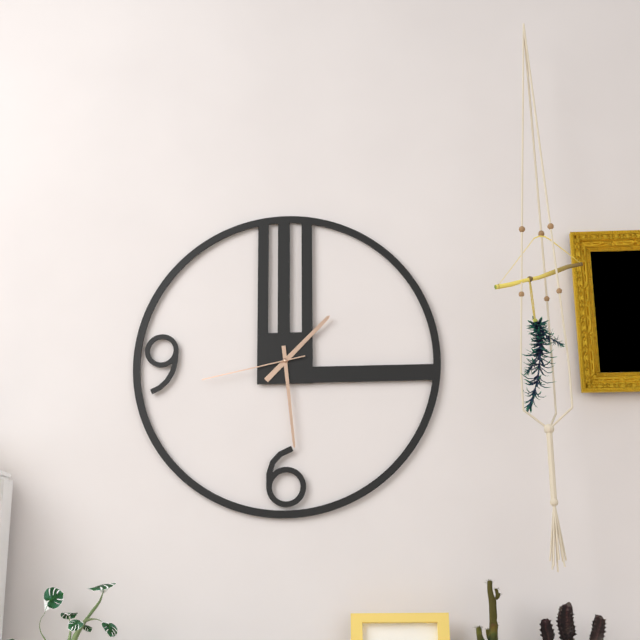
1:29:43
